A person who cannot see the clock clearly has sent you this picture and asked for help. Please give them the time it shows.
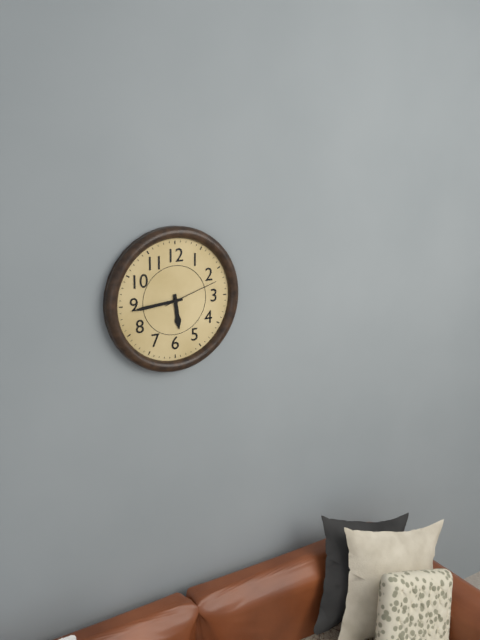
5:44:12
